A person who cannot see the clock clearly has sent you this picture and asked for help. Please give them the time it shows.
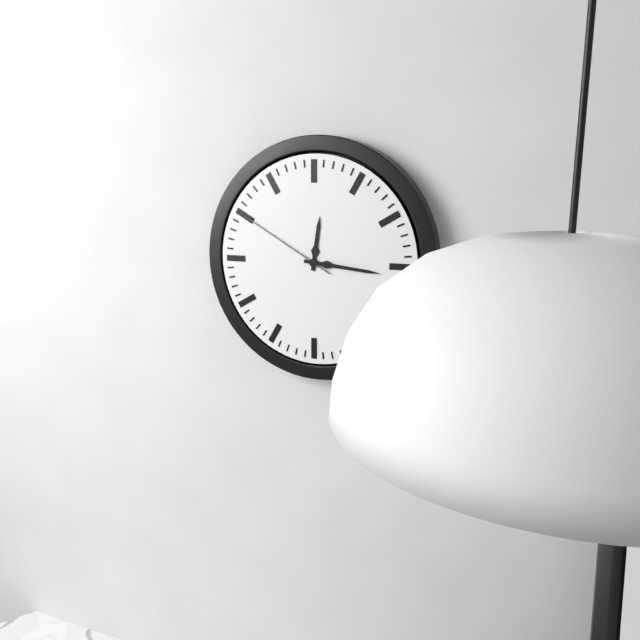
12:16:50
